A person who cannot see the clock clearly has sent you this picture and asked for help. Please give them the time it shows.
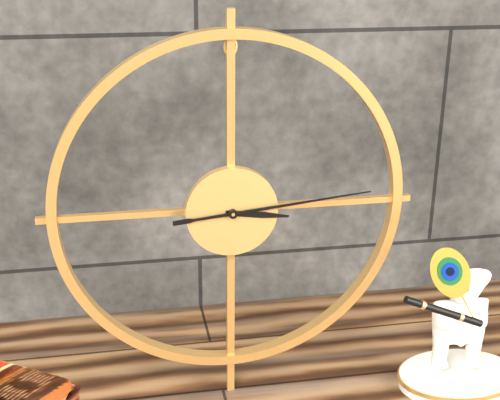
3:14
